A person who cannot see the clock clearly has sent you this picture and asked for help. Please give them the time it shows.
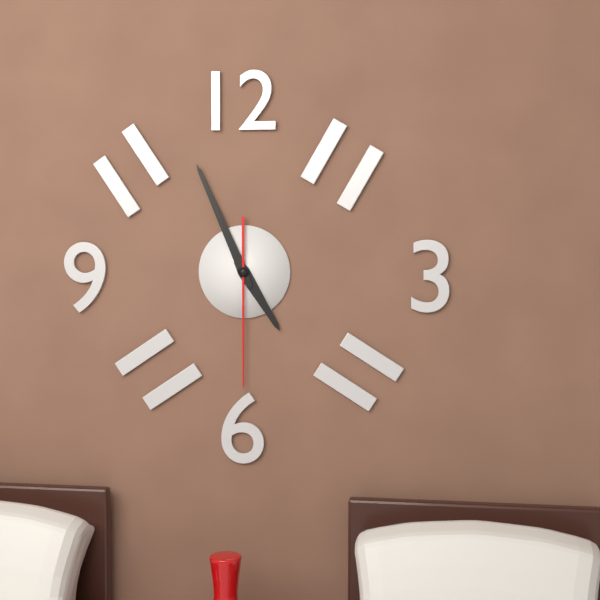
4:56:30
